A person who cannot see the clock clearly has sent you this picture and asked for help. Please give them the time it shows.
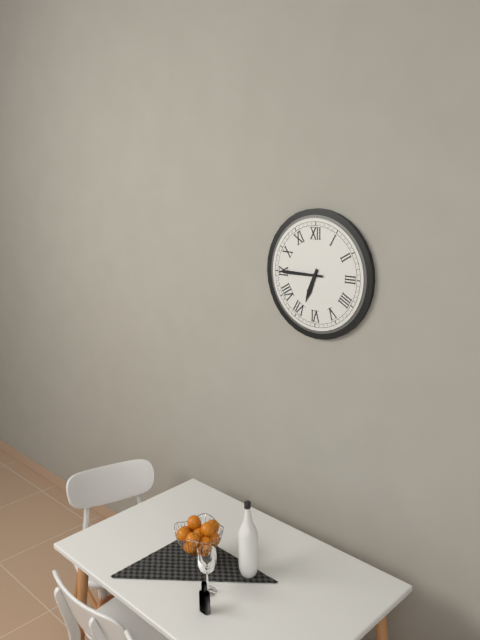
6:45
